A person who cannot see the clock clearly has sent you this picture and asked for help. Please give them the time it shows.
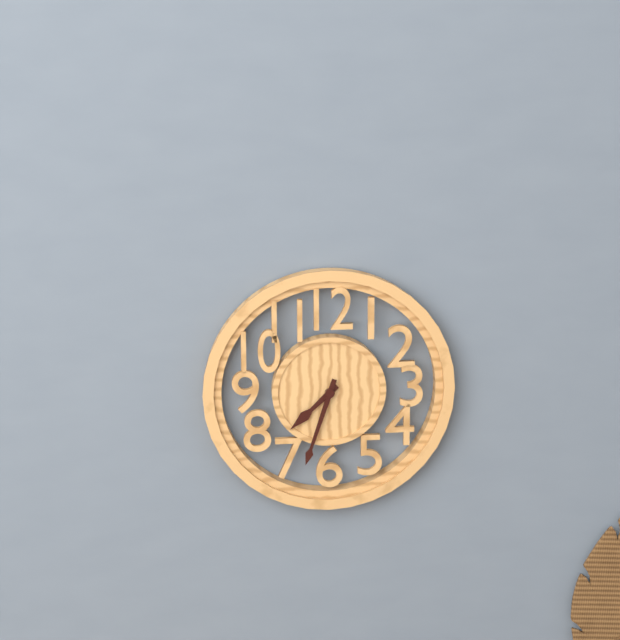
7:33
